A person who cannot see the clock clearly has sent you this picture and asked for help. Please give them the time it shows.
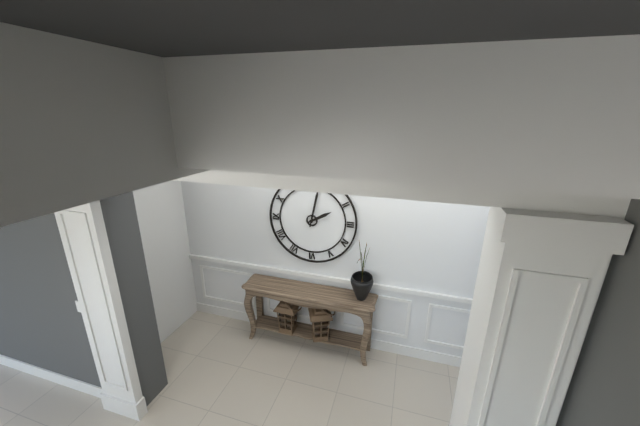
2:02
